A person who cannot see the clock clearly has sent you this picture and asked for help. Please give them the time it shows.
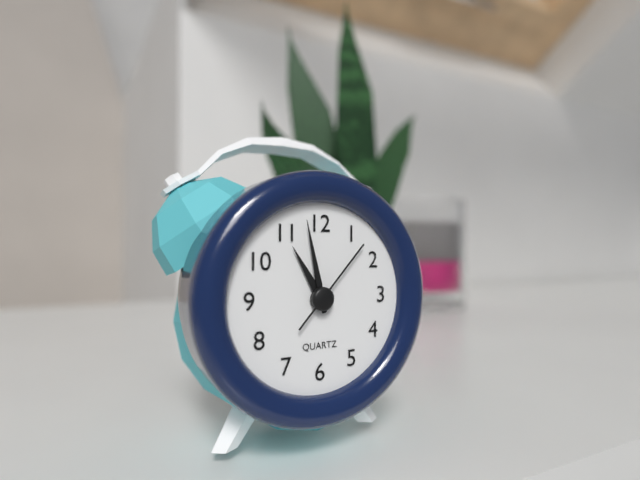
10:58:07
